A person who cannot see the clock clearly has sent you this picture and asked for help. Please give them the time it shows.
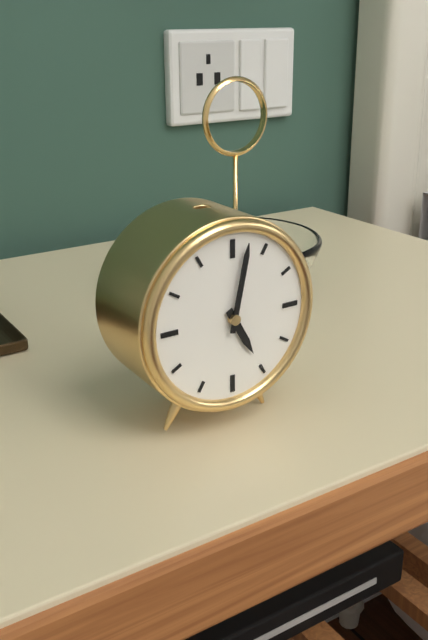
5:02
